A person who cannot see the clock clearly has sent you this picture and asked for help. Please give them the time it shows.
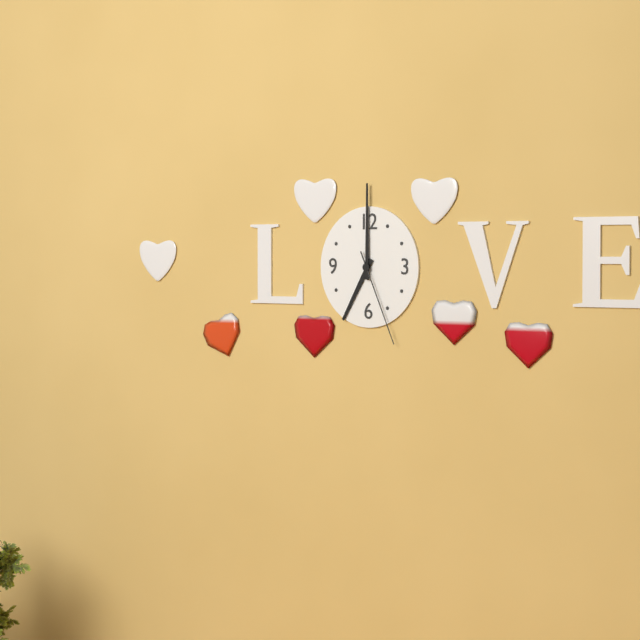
7:00:26
